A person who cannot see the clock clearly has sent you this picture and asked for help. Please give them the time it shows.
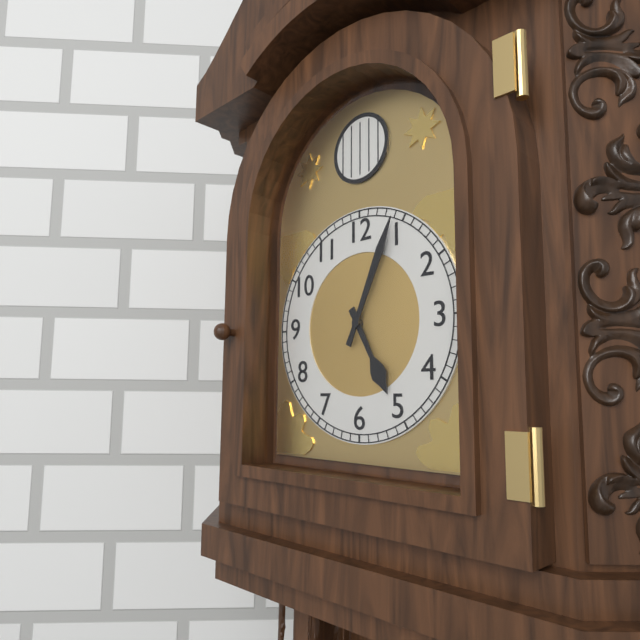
5:04
